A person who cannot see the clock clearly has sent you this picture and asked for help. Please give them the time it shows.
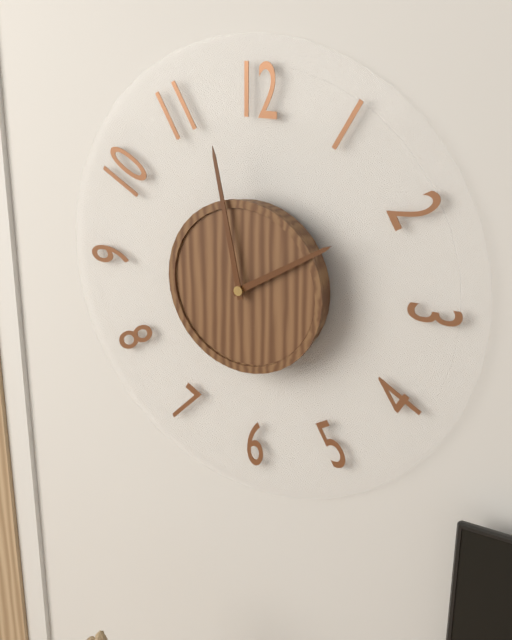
1:58
